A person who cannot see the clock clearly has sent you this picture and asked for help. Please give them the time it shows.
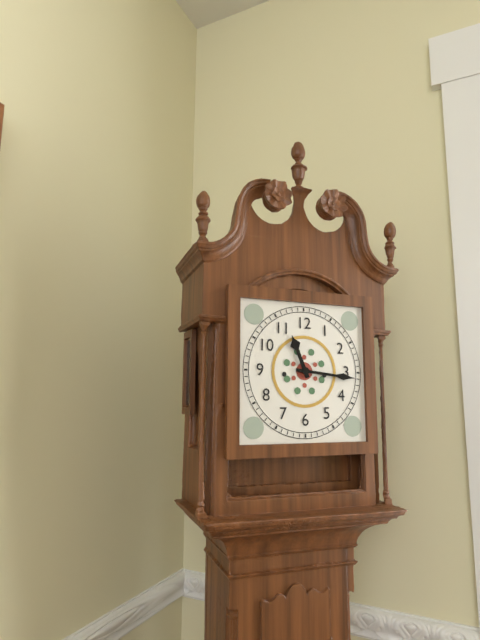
11:16
